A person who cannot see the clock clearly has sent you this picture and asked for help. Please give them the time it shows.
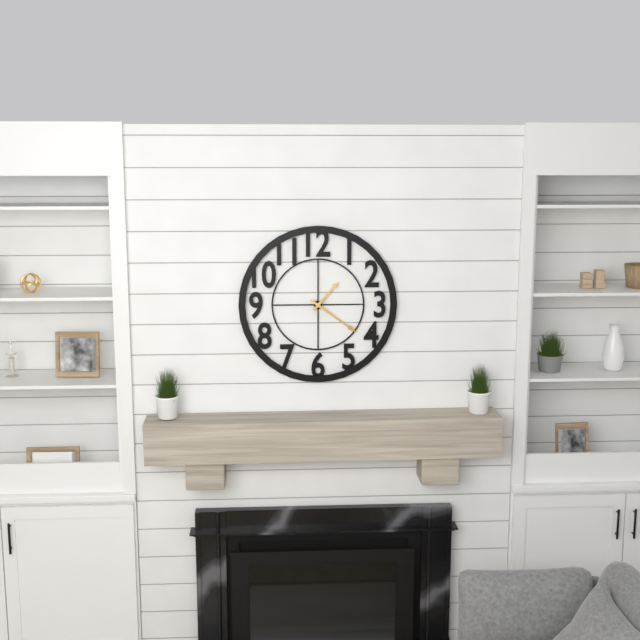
1:21
